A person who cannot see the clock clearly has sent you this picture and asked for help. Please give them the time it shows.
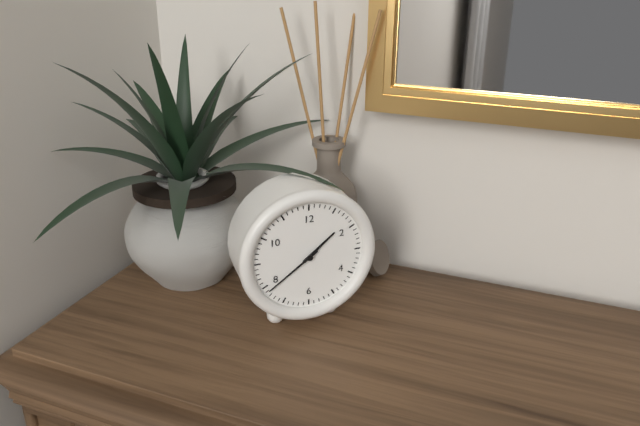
1:39
